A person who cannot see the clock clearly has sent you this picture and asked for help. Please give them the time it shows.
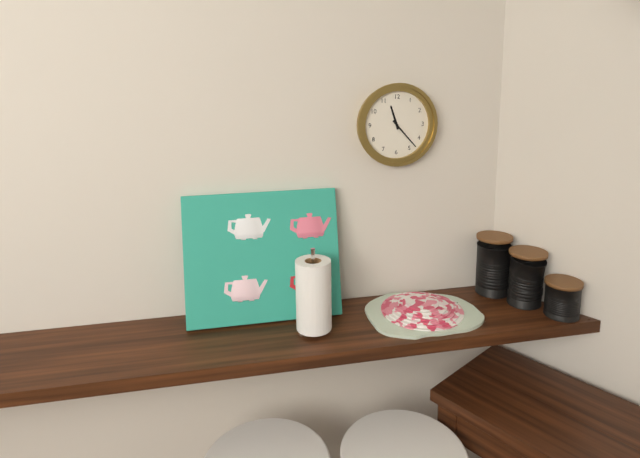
11:23
